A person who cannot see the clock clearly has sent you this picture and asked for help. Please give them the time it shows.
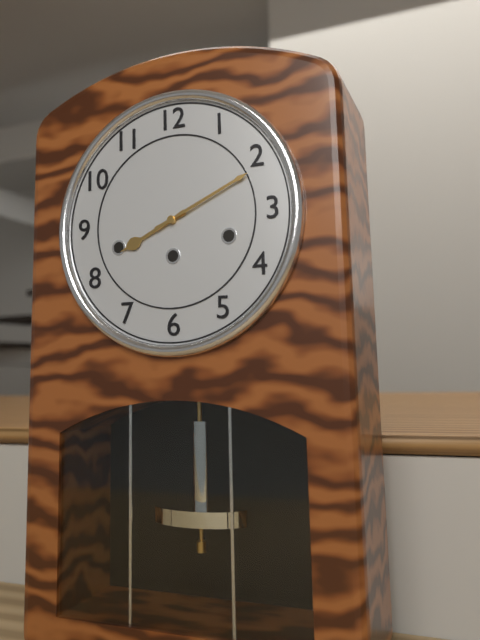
8:11
